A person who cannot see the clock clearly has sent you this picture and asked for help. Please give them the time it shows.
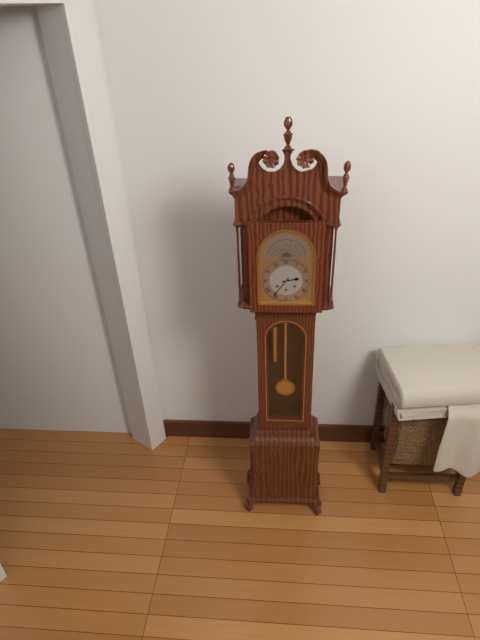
2:36
